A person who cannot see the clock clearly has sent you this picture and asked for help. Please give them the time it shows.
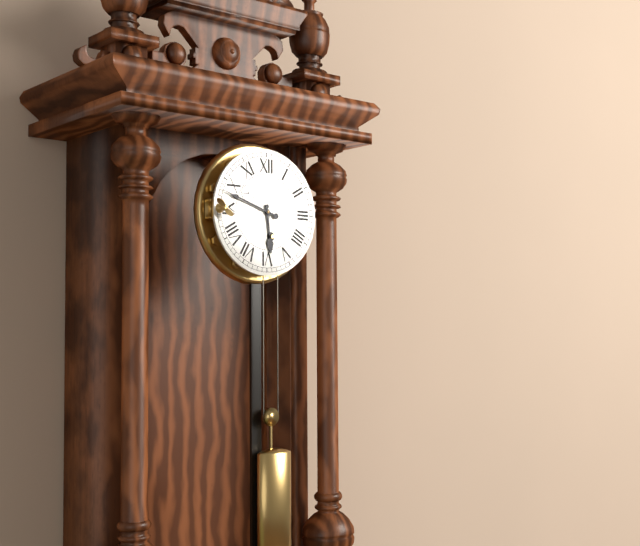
5:48
